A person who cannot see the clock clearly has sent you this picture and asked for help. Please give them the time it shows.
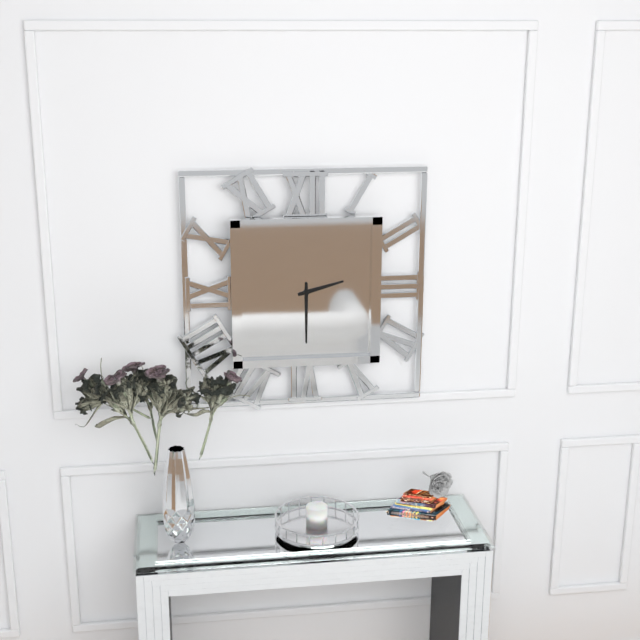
2:30
